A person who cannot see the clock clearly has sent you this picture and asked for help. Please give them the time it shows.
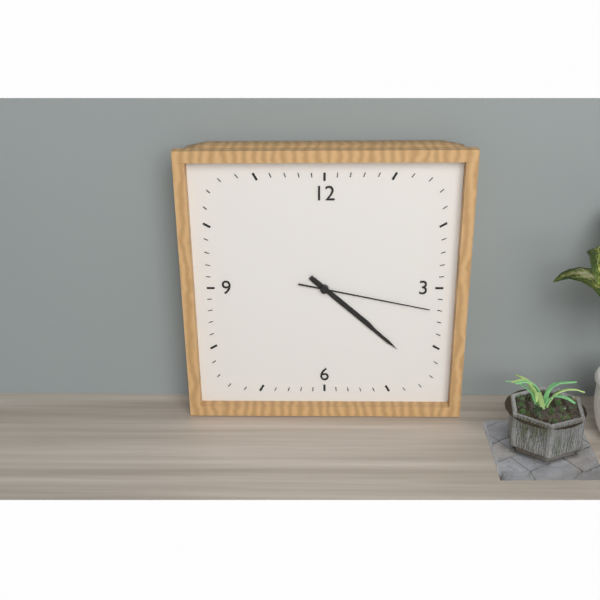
4:22:17
